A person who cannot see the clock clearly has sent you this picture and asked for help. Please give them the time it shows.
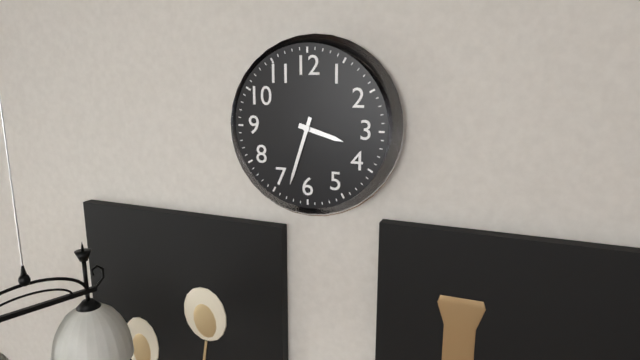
3:33
